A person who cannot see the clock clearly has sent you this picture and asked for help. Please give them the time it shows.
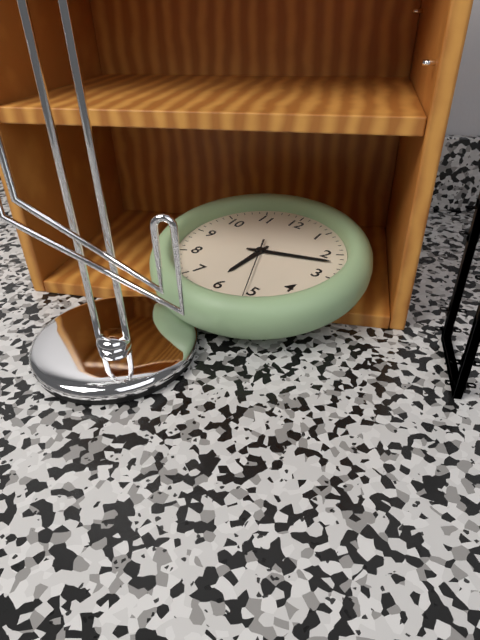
6:12
